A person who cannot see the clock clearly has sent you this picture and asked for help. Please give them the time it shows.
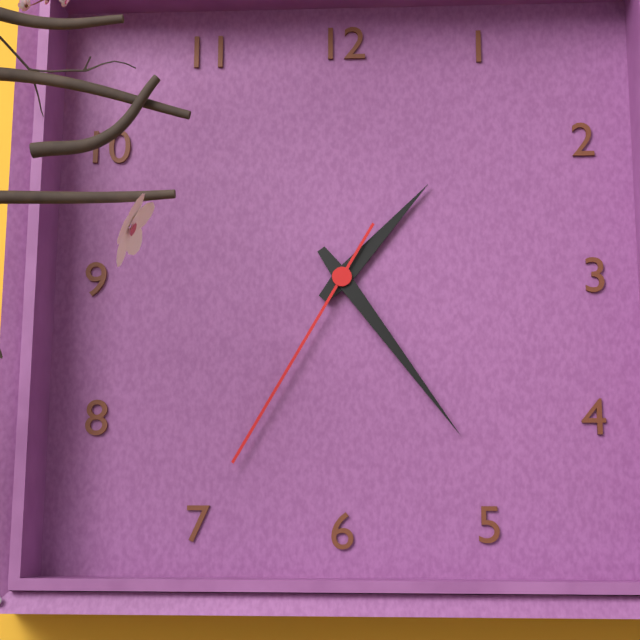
1:24:35
